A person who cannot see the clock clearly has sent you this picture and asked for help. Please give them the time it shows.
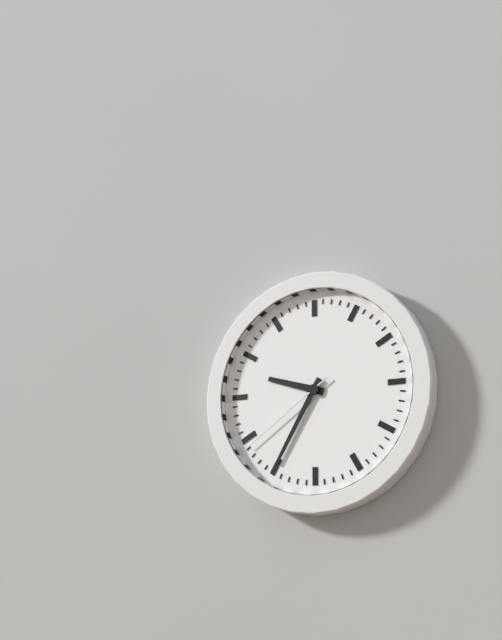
9:35:39
